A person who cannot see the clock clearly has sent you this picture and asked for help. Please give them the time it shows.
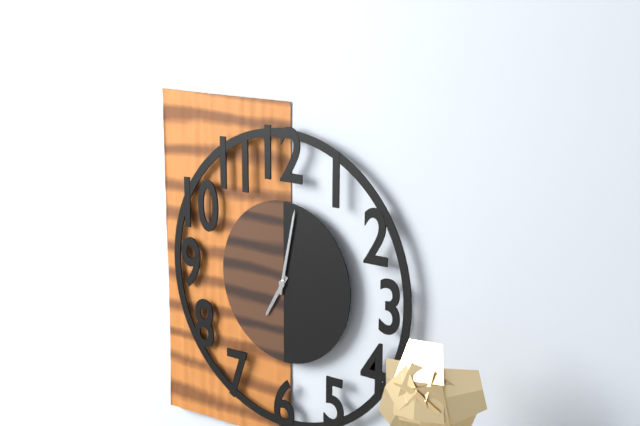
7:02
